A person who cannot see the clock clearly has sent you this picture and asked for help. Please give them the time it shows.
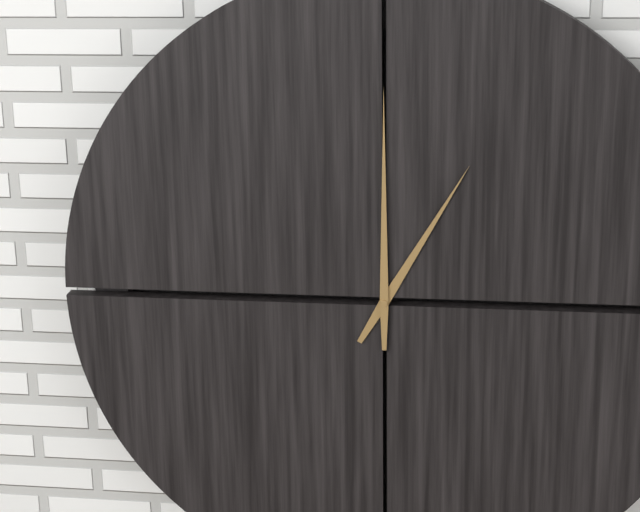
1:00
